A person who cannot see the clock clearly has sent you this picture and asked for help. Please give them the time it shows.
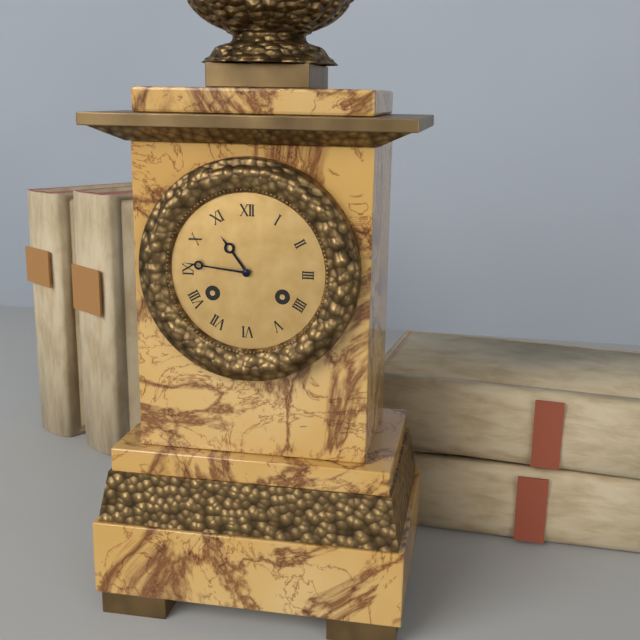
10:46
